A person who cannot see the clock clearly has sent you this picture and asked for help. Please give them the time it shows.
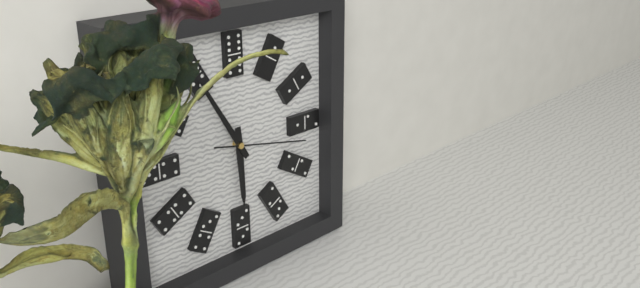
5:55:17
